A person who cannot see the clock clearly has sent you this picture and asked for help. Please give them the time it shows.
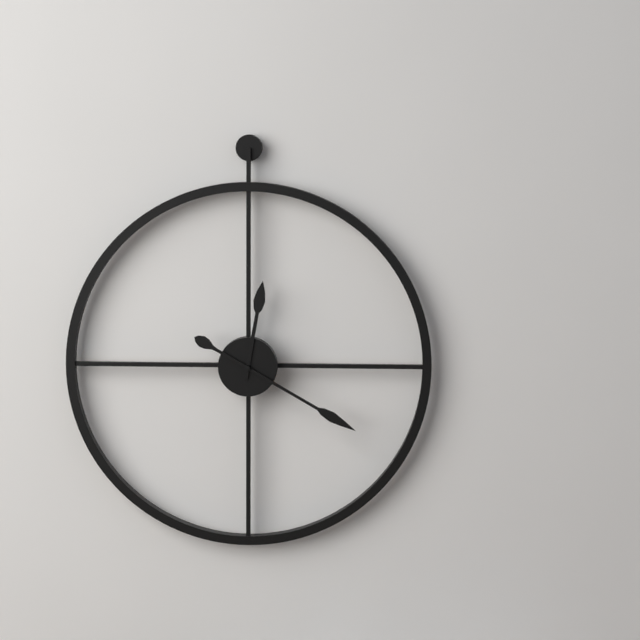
12:20
